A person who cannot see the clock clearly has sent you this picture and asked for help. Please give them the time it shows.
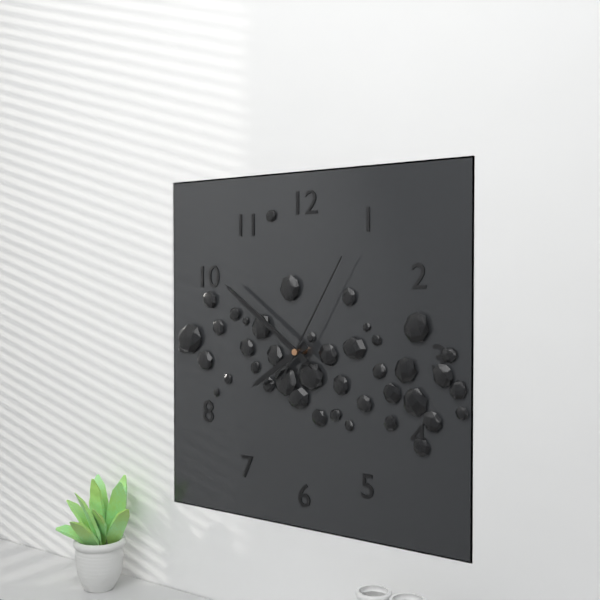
7:51:05
